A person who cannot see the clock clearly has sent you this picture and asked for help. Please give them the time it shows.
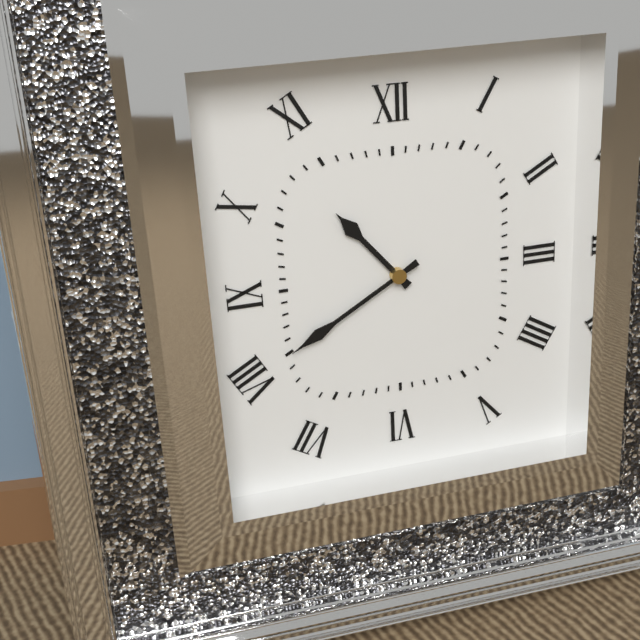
10:40
